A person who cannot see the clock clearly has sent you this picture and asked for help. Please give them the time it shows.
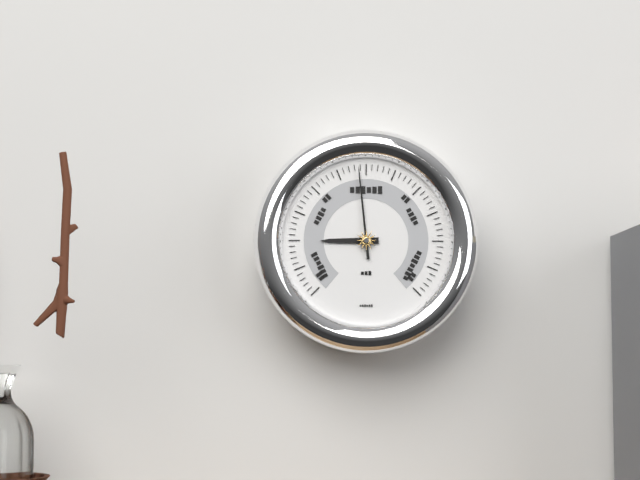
8:59
